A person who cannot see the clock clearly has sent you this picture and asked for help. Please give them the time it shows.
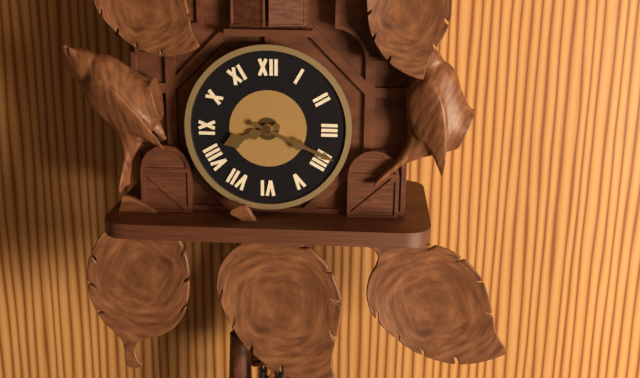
8:19
